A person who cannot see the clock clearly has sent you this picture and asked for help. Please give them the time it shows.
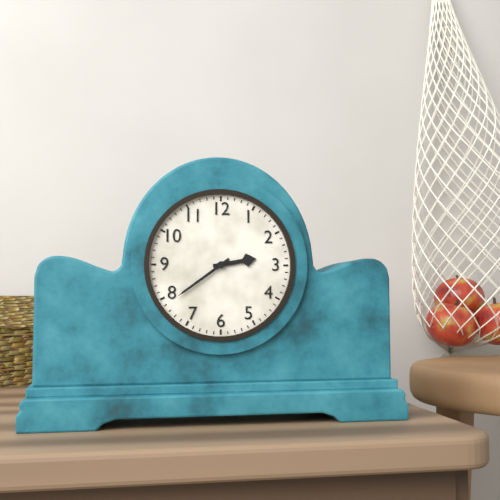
2:39
